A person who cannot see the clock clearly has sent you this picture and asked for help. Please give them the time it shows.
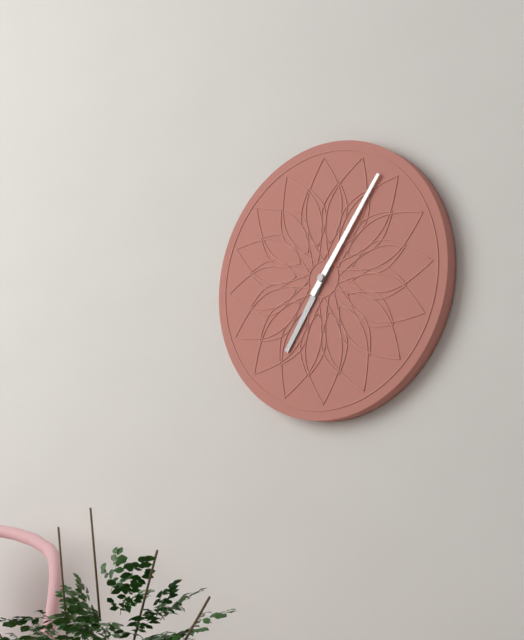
7:06
